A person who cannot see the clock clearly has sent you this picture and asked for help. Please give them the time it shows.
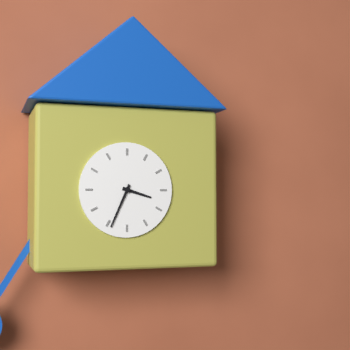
3:34
